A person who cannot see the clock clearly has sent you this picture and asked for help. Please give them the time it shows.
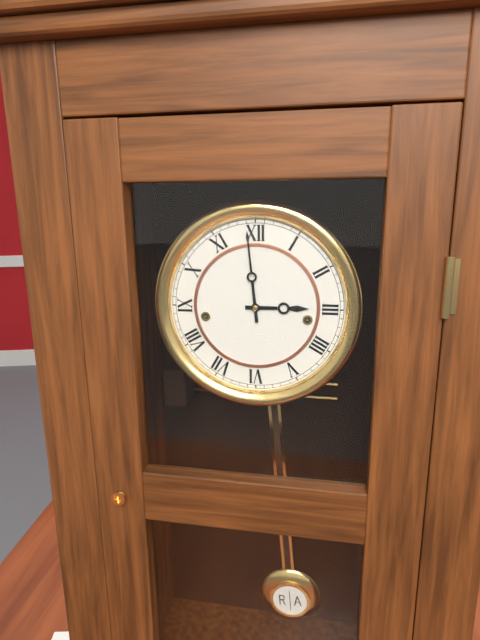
2:59
